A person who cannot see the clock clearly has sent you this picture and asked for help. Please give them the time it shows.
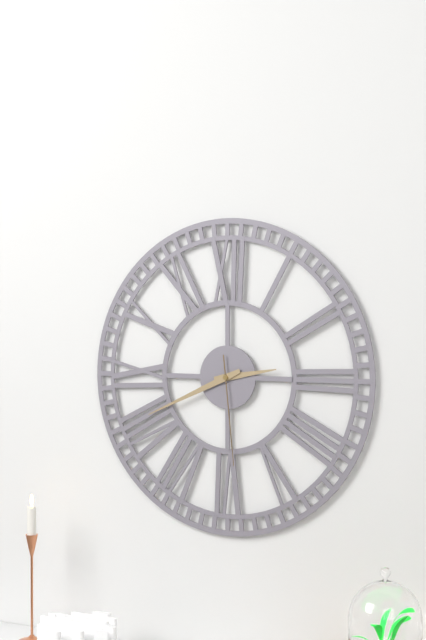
2:41:29
